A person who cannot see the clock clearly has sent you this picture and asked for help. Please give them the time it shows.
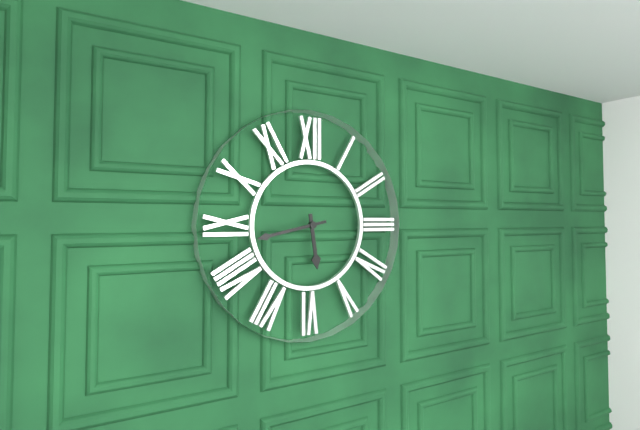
5:43
